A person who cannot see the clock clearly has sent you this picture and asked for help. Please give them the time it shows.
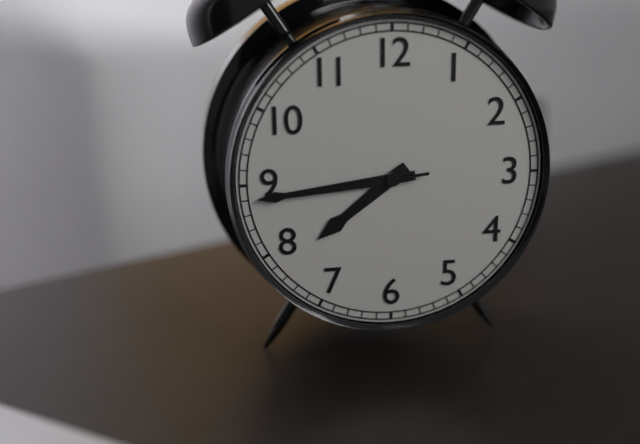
7:44:44
